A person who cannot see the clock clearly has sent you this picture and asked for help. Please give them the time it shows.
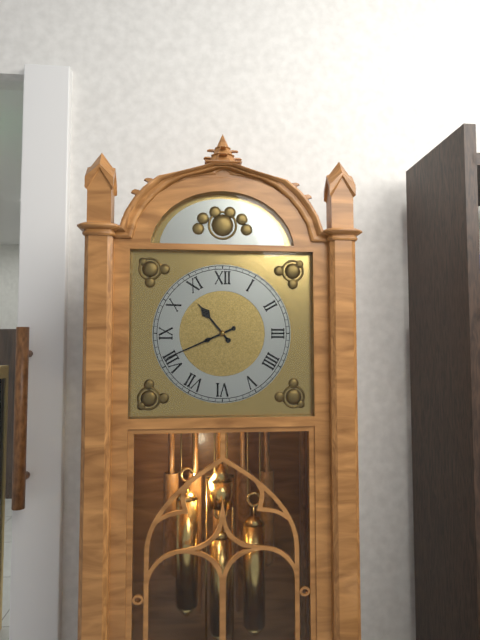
10:41
